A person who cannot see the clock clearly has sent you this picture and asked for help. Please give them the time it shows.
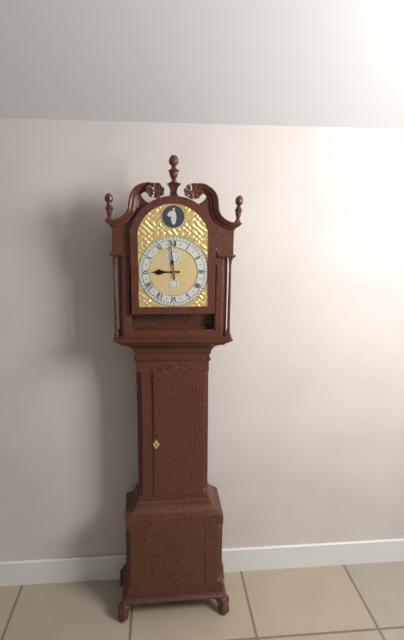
8:59
